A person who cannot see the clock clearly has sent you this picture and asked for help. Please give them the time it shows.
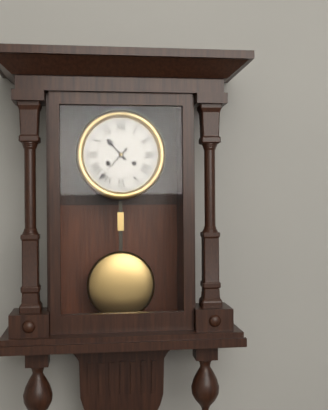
10:37
